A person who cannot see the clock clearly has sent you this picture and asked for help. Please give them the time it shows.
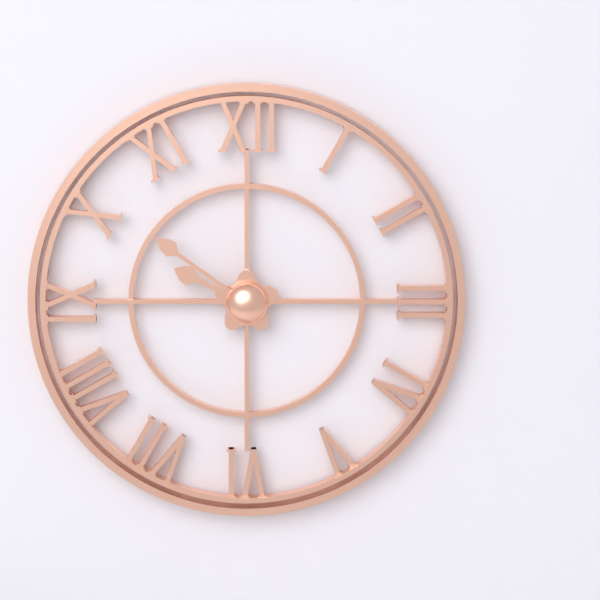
9:51
